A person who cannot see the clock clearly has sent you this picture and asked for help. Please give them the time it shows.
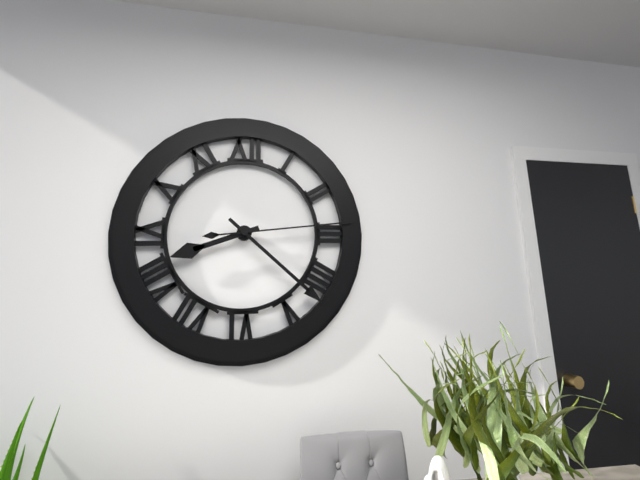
8:22:14
